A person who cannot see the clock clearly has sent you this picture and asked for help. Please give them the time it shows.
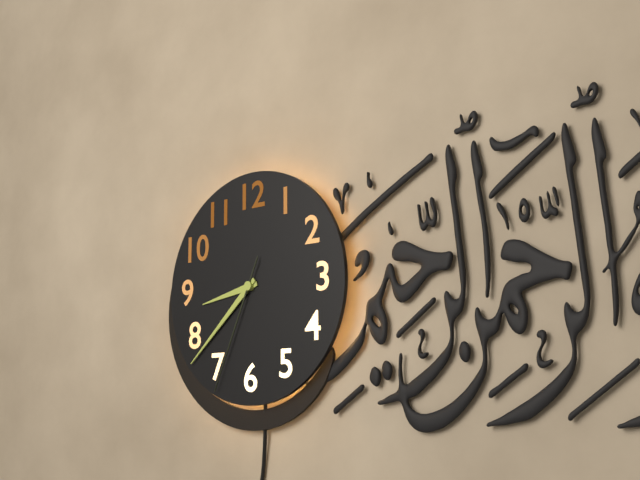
8:38:34
